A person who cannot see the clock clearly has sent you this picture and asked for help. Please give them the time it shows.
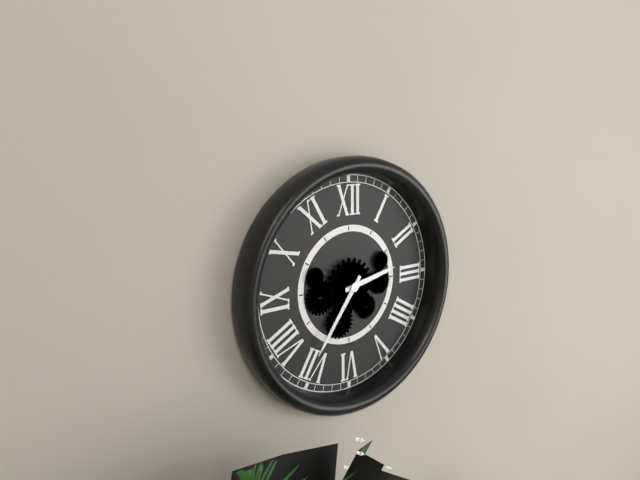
2:36
